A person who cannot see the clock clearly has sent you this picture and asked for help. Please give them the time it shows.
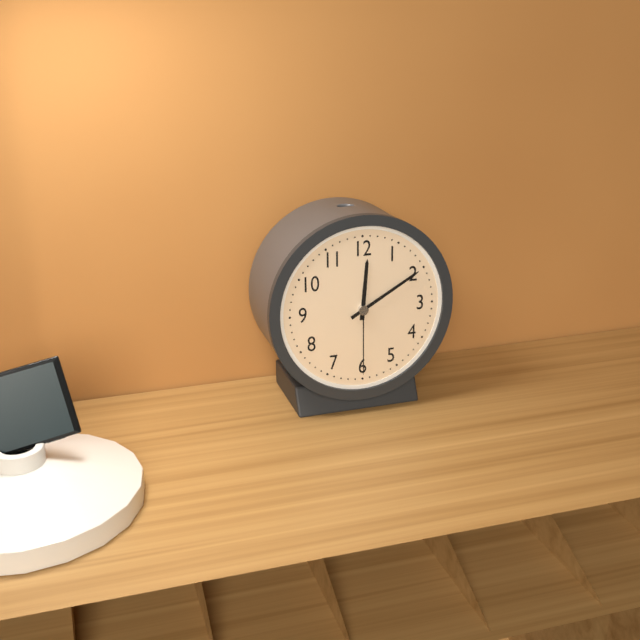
12:10:30
